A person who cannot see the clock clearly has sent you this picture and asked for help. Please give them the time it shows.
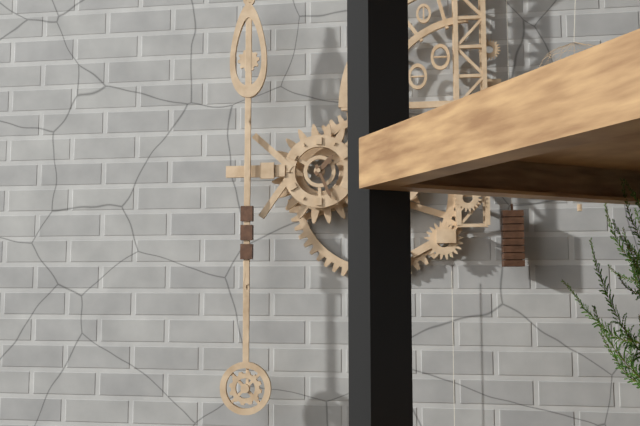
1:26
